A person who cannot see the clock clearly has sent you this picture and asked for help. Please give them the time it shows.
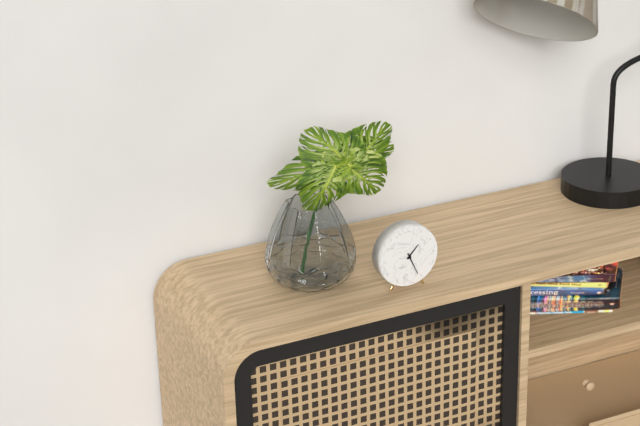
1:26
